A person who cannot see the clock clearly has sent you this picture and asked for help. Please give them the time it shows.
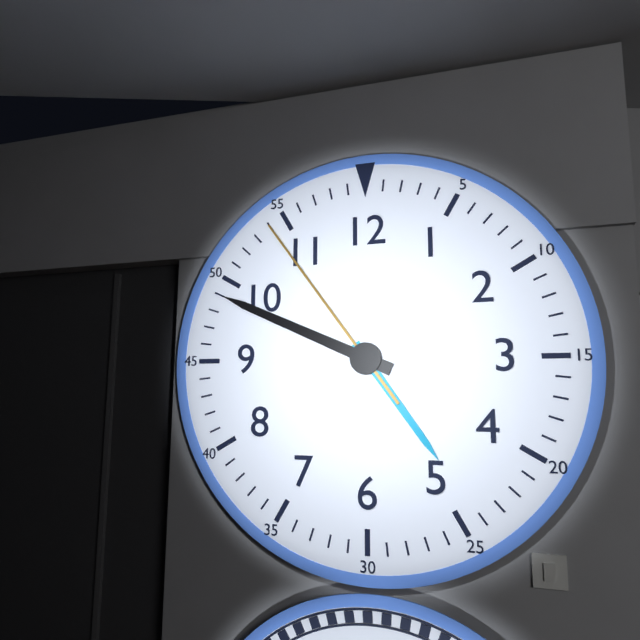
4:49:54
